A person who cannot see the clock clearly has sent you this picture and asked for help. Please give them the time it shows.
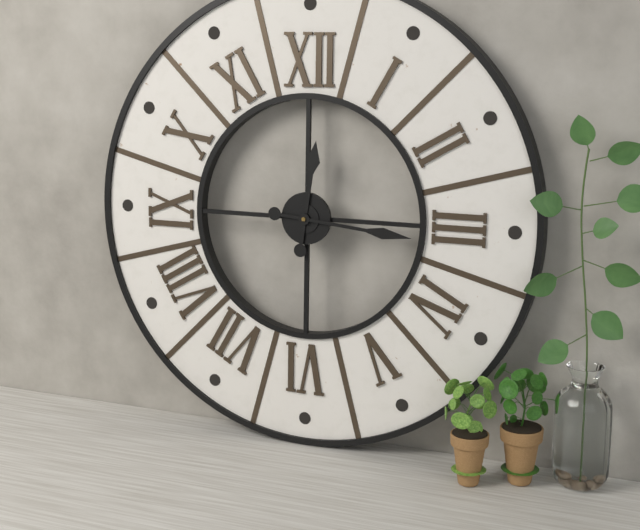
12:16
